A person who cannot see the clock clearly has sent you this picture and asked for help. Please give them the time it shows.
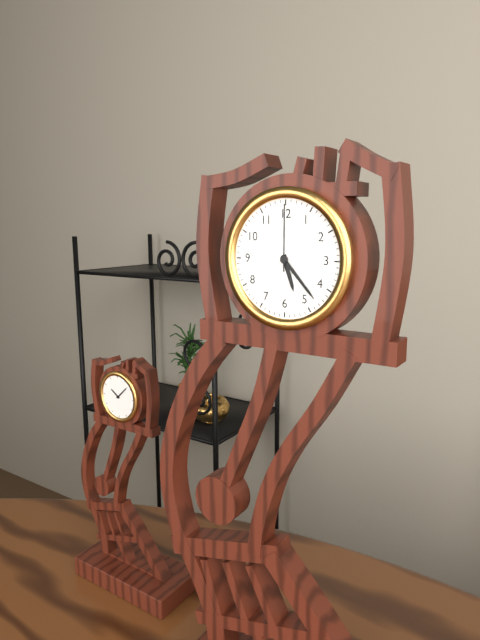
5:23:00
